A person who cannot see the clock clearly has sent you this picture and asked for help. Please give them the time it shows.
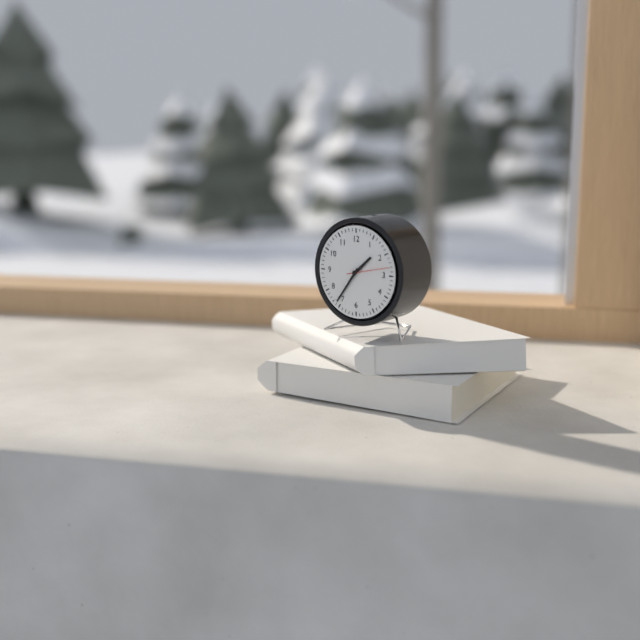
1:36
